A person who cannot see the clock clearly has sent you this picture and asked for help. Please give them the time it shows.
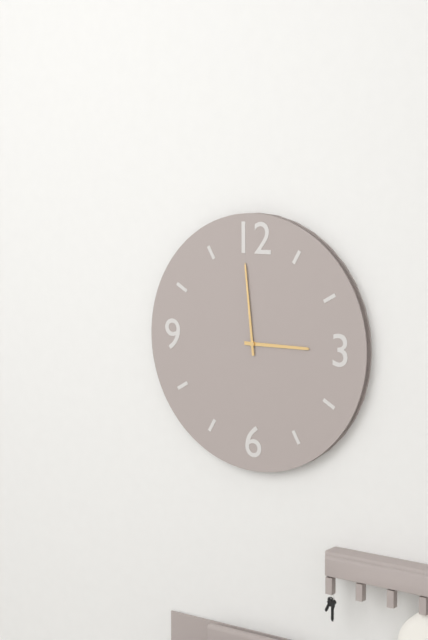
2:59
